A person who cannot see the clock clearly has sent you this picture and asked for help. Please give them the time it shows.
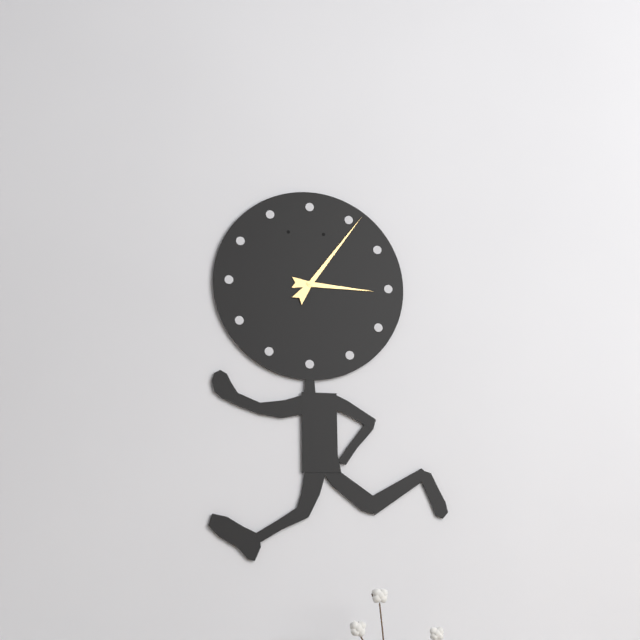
3:06
